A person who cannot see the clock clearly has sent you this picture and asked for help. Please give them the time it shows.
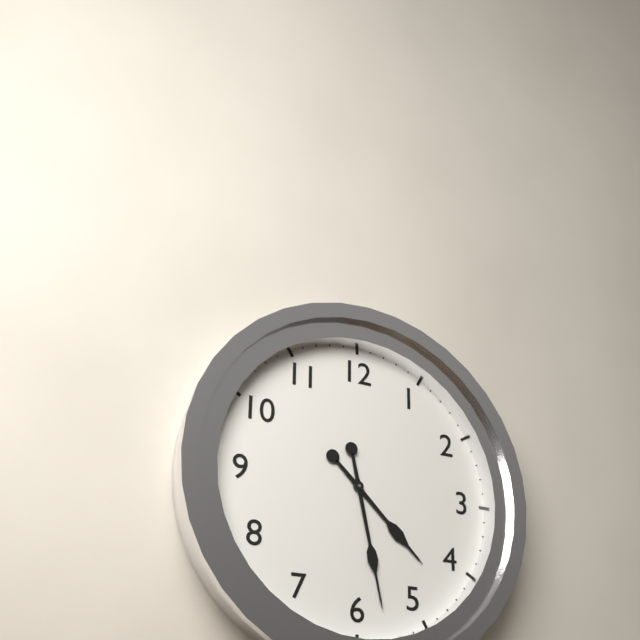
4:28
